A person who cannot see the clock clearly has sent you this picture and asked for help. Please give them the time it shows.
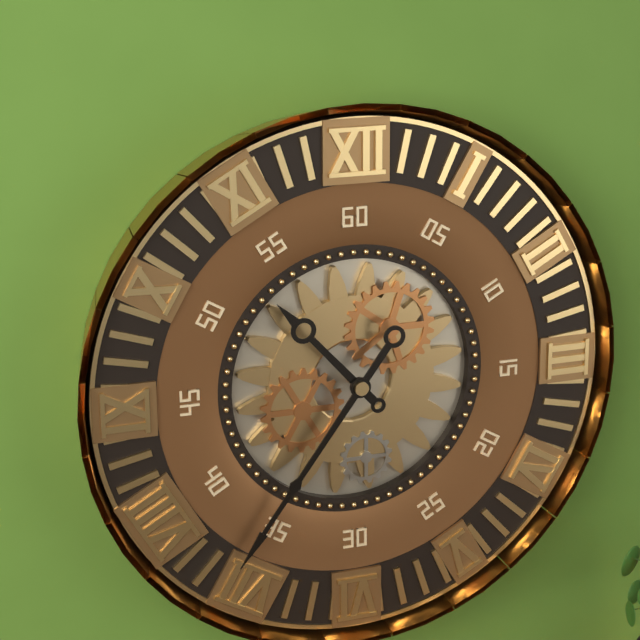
10:36
